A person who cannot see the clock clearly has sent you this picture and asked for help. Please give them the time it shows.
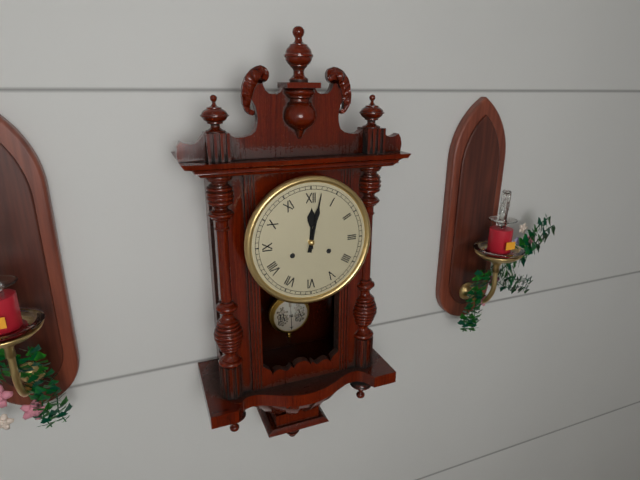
12:02
